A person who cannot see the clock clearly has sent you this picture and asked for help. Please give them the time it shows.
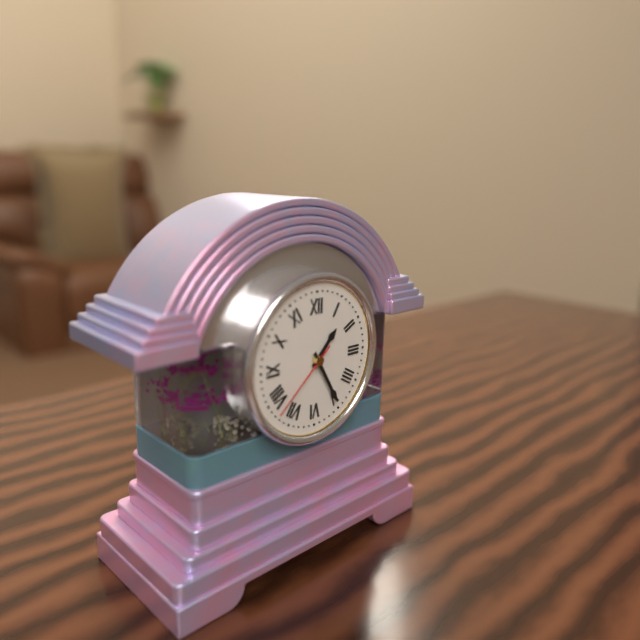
1:25:38
